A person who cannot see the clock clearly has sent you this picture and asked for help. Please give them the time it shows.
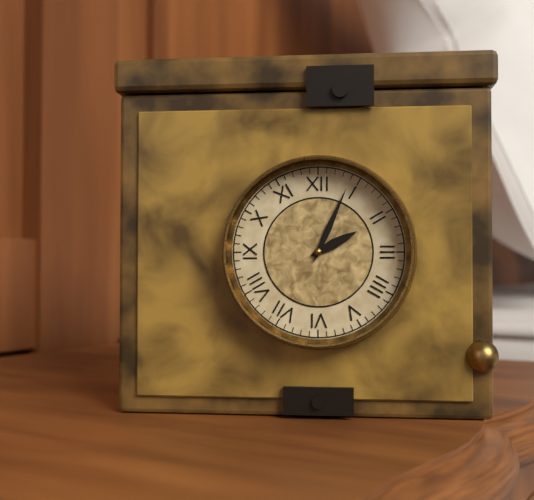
2:04
